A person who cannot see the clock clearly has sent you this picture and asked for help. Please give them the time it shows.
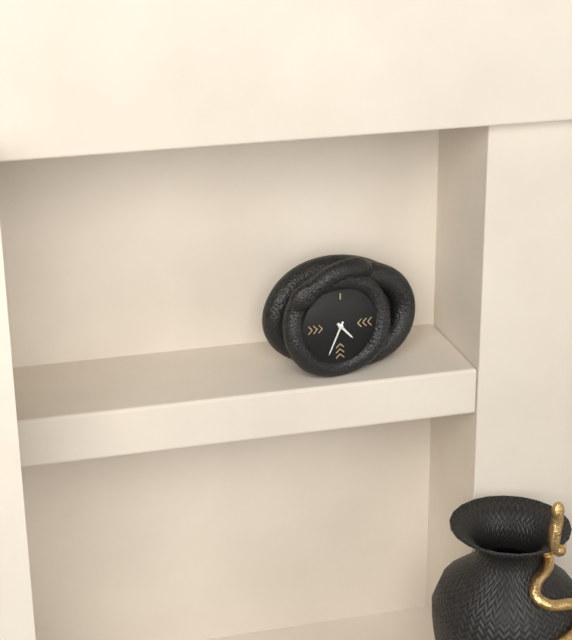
4:34
